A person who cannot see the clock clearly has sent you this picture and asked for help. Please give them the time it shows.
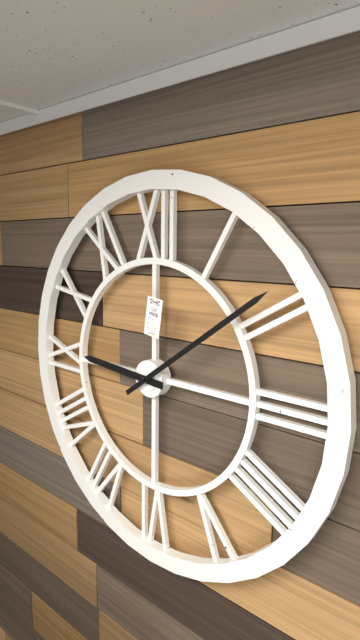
9:09
